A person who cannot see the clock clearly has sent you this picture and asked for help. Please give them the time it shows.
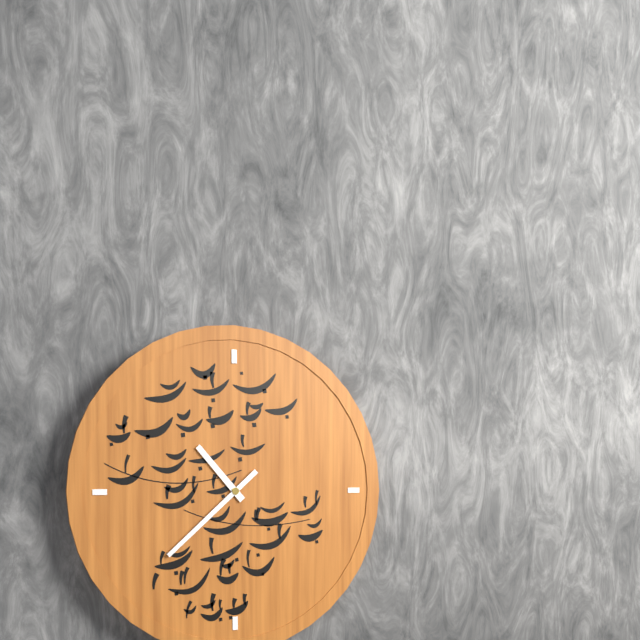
10:38
